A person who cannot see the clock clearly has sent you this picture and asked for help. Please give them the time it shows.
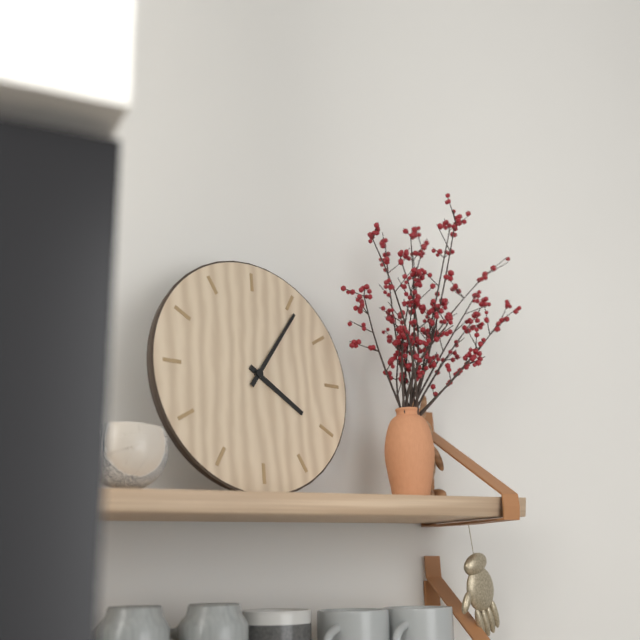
4:06
